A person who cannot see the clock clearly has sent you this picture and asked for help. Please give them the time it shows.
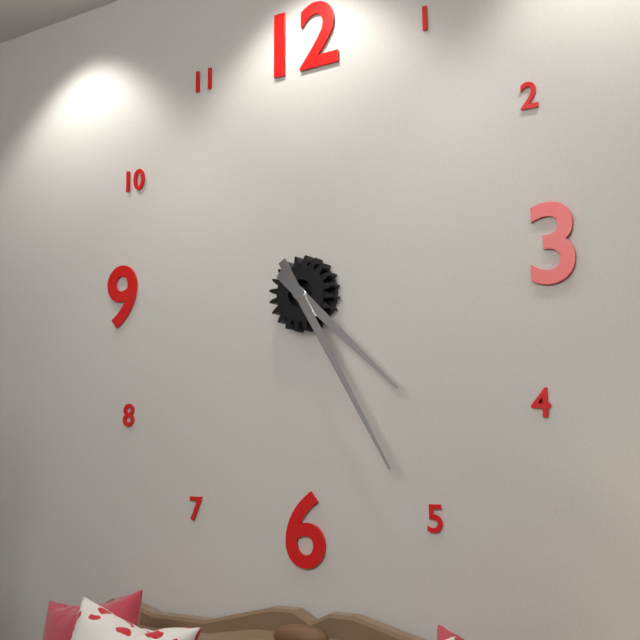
4:25
